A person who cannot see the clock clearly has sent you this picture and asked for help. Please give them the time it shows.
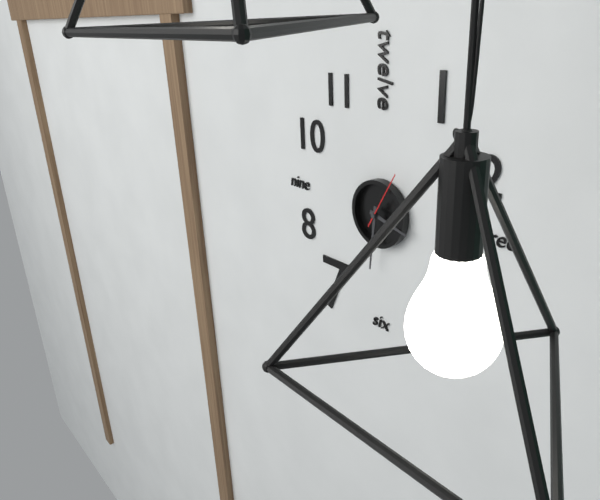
3:31:05
